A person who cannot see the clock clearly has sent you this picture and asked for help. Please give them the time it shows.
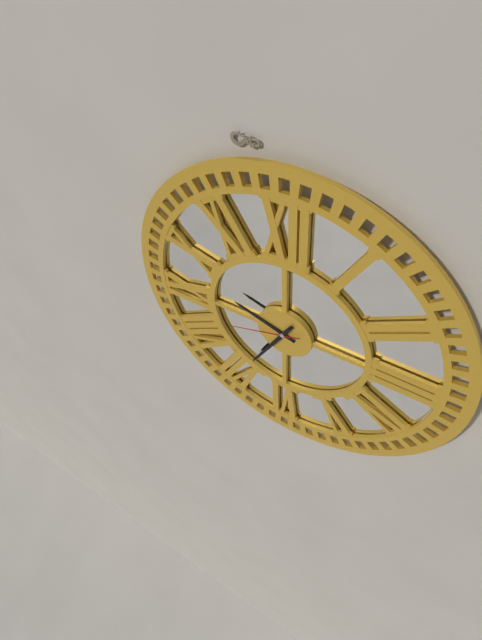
9:35:42
